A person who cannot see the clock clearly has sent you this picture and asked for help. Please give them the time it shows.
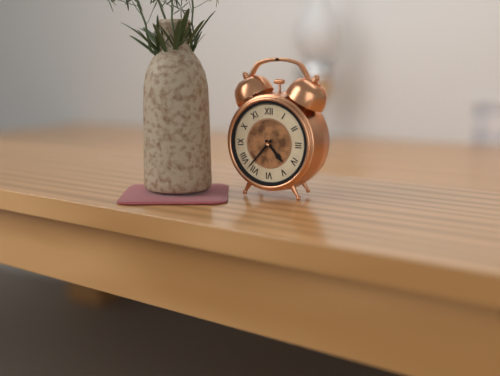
4:37
